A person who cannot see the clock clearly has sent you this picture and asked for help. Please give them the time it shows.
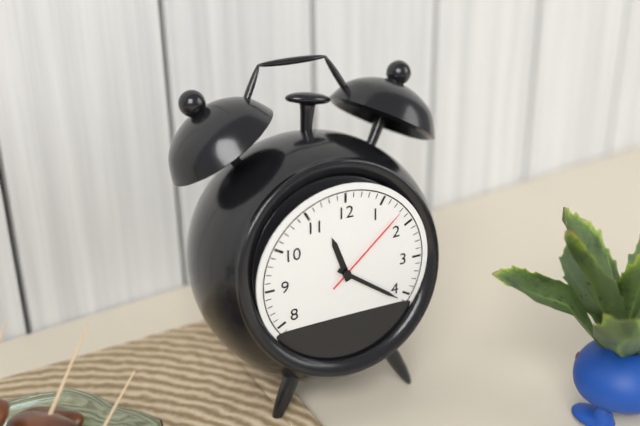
11:21:08
